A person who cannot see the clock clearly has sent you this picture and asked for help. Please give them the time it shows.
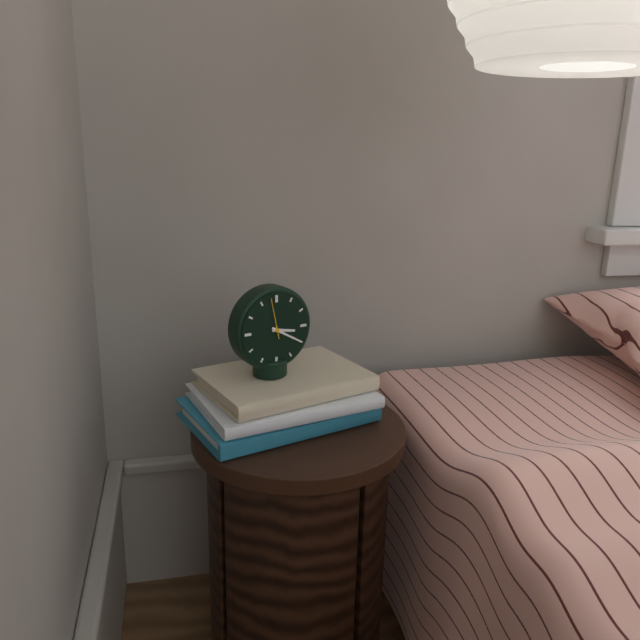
3:20
